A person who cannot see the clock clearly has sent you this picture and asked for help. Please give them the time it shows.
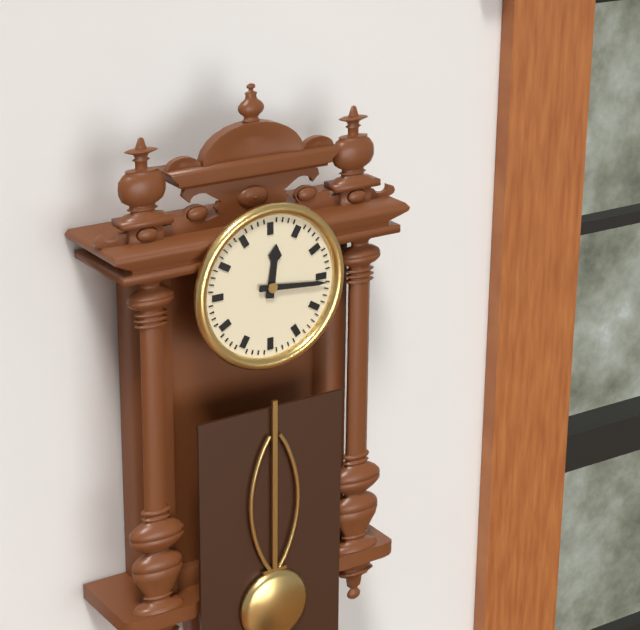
12:16
